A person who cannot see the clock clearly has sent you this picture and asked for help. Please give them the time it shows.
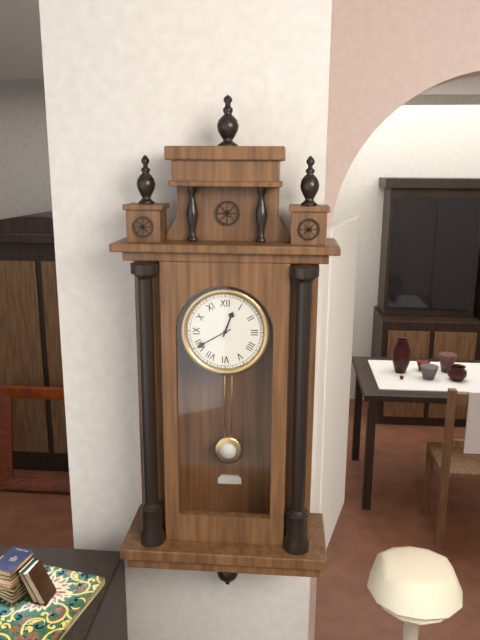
12:40
